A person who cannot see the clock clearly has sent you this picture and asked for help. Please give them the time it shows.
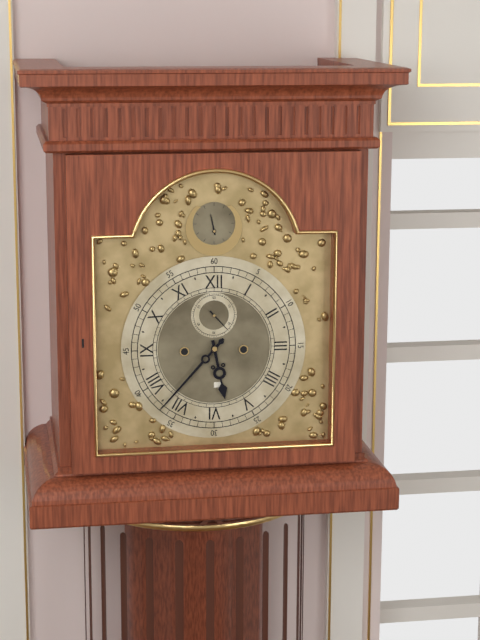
5:37
